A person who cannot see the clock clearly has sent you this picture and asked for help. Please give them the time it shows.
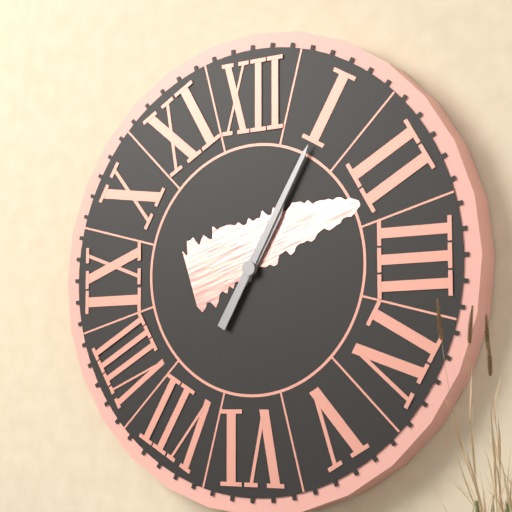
1:05
